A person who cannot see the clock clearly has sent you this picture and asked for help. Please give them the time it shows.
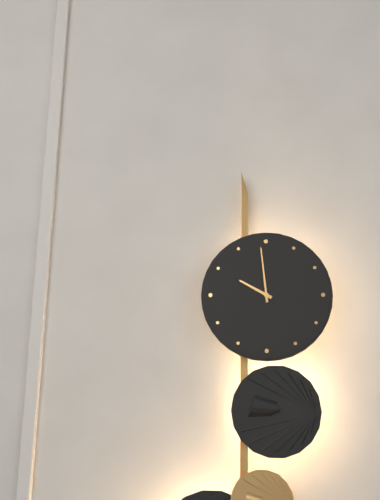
9:59
